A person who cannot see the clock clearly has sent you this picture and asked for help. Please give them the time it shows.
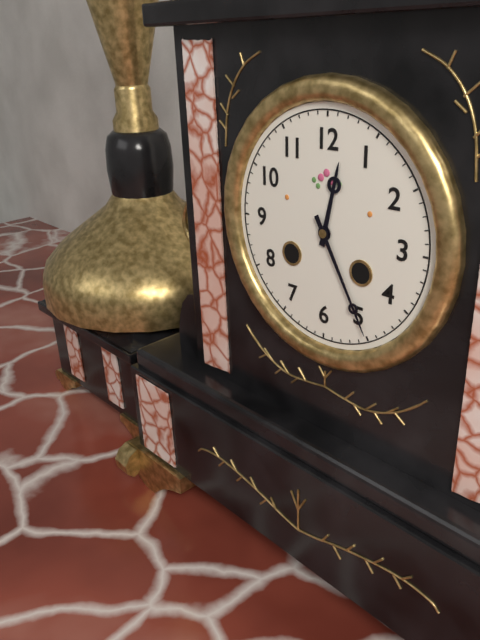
12:25
